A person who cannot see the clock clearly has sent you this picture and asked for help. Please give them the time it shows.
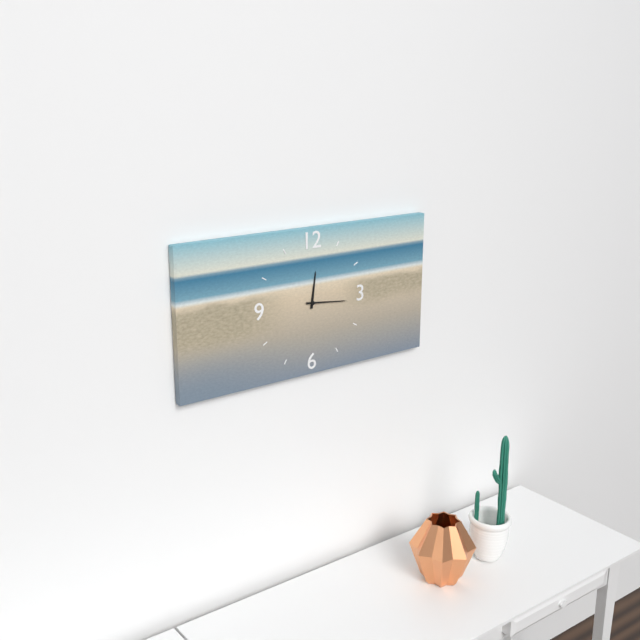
12:16
